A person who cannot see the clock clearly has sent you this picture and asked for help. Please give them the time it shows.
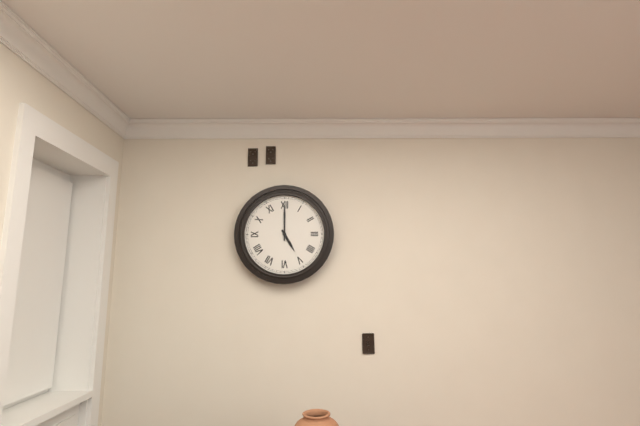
5:00
